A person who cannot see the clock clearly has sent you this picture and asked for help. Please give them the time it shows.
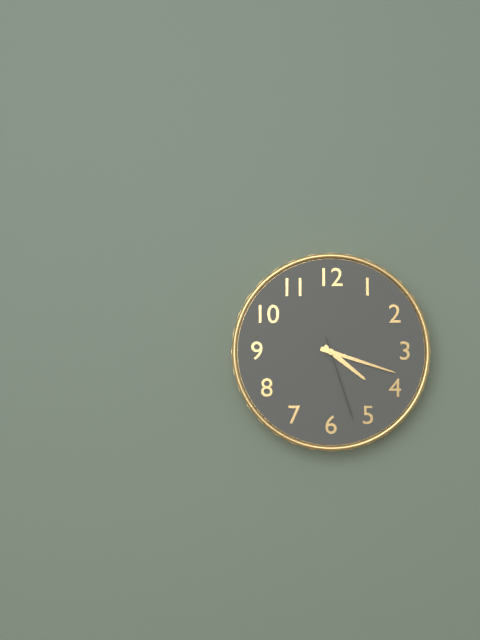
4:18:27
